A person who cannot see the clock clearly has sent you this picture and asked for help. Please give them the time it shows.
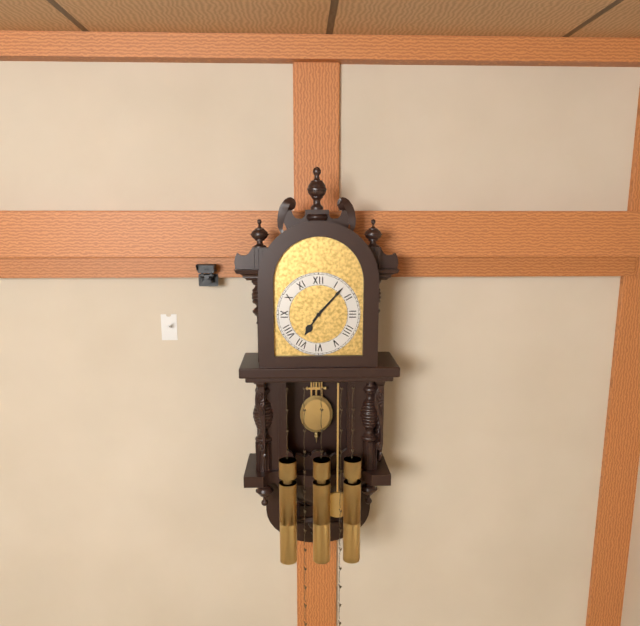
7:07
